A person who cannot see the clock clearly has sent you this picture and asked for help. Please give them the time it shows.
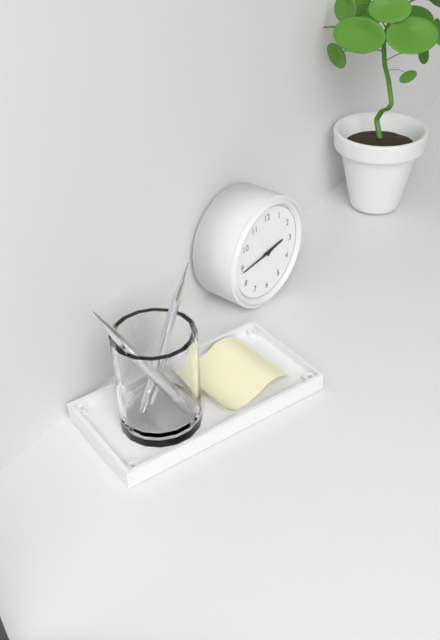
2:44
